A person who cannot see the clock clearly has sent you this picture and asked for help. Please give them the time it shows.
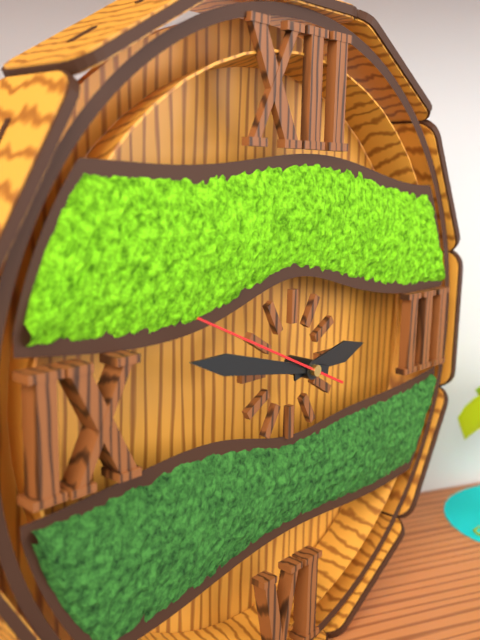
2:47:49
